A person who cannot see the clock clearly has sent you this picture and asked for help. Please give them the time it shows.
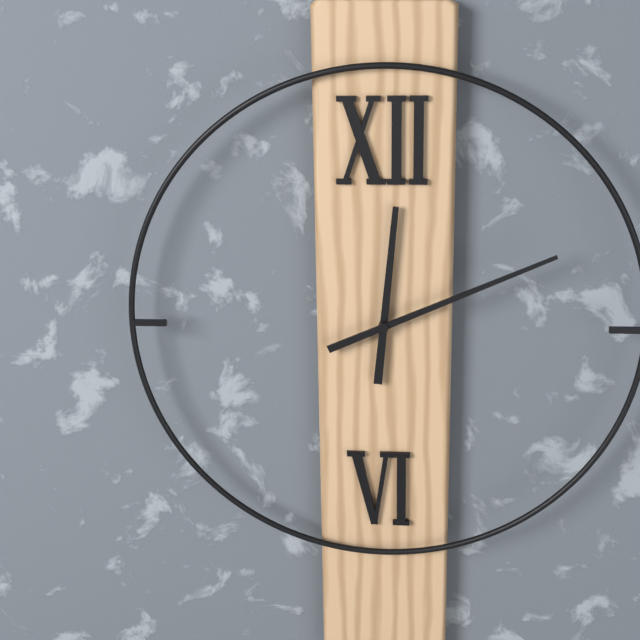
12:11
